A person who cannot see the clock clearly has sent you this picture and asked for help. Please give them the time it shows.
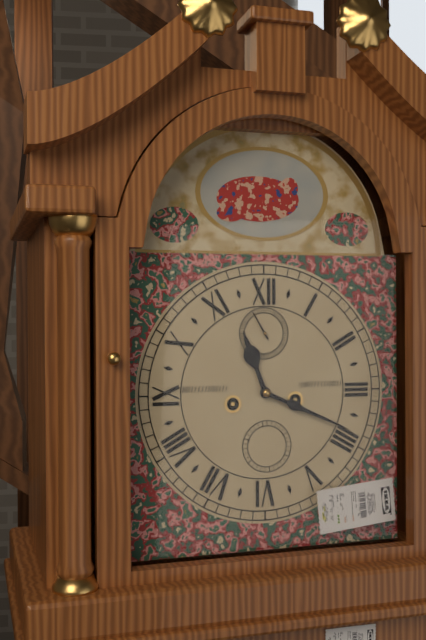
11:19
